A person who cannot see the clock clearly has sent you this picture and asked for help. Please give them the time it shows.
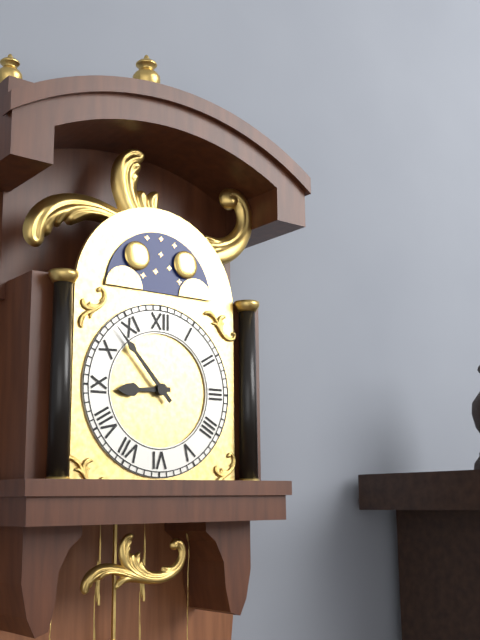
8:53
